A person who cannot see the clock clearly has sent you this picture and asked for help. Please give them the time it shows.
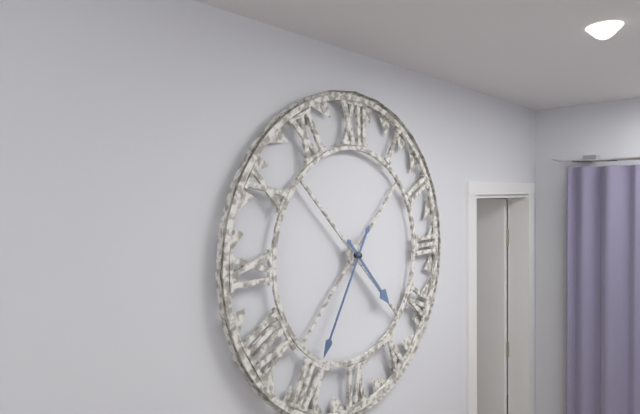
4:35
